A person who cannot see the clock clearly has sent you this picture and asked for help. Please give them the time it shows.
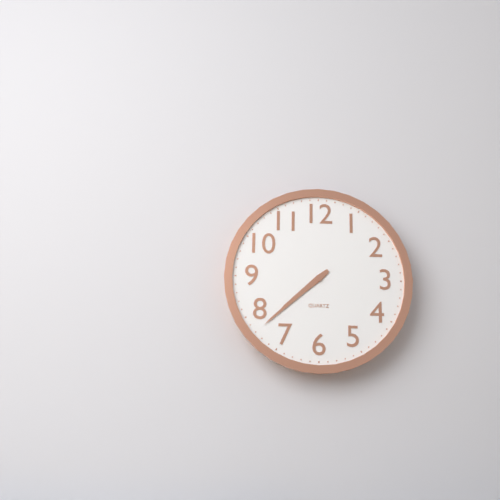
7:38
